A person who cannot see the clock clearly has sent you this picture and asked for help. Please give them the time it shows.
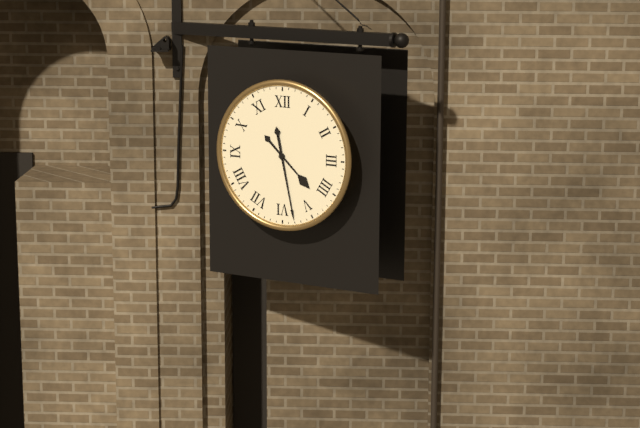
4:28
